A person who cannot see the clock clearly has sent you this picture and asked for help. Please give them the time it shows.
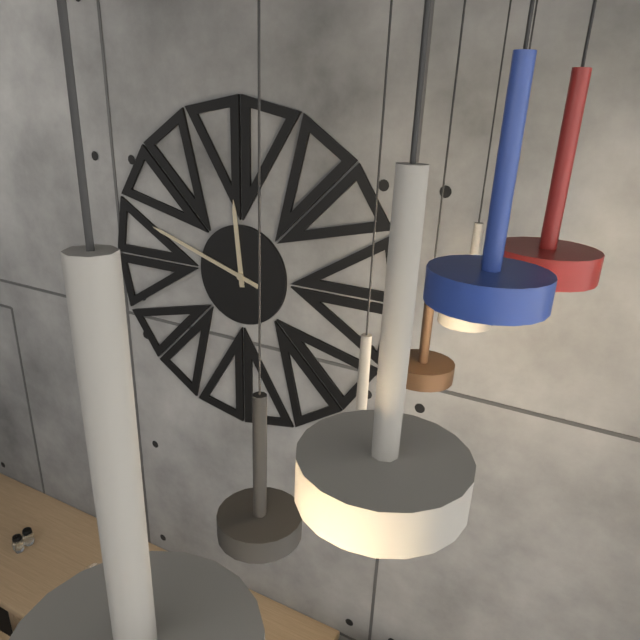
11:48
